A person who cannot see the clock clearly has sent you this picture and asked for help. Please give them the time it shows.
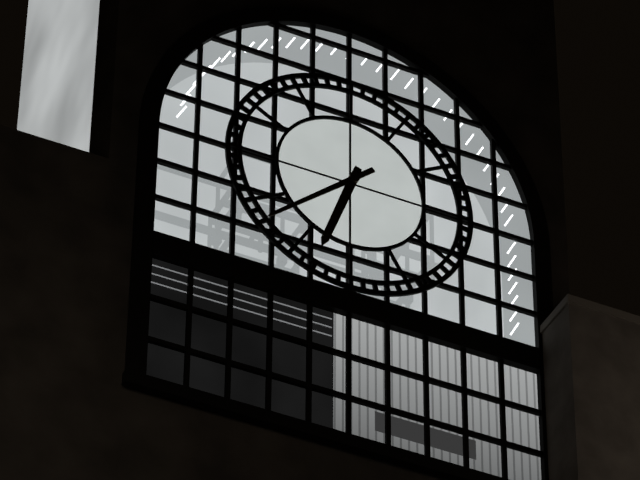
6:38
